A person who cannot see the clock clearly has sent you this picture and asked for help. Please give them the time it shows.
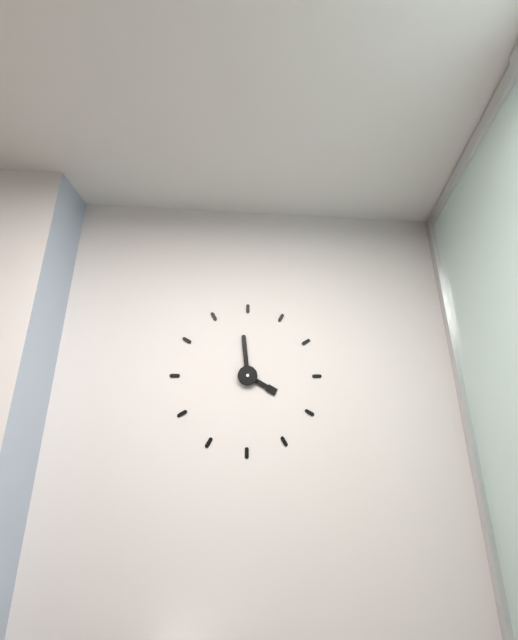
3:59
